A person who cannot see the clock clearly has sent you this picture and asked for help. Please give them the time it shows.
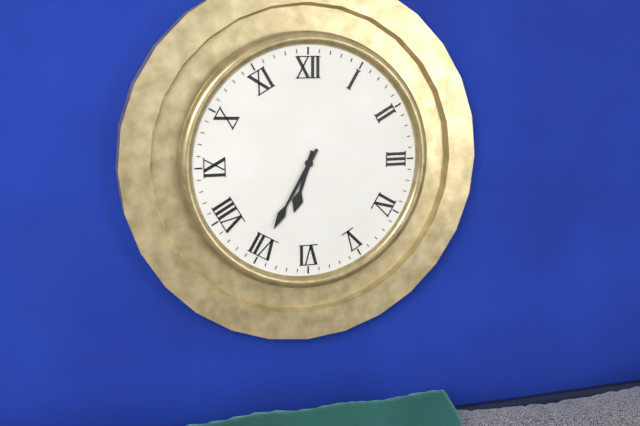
6:35
